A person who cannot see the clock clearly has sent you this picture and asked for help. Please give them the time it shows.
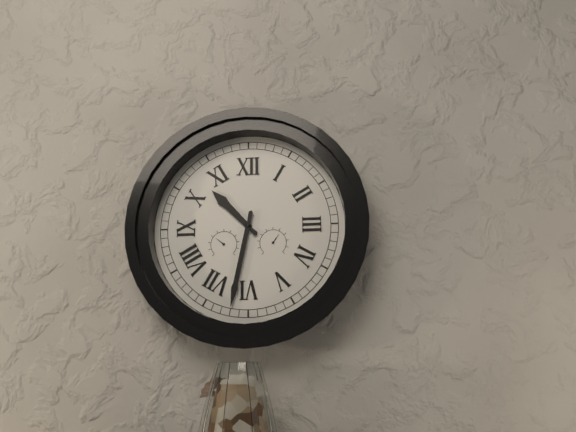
10:32
